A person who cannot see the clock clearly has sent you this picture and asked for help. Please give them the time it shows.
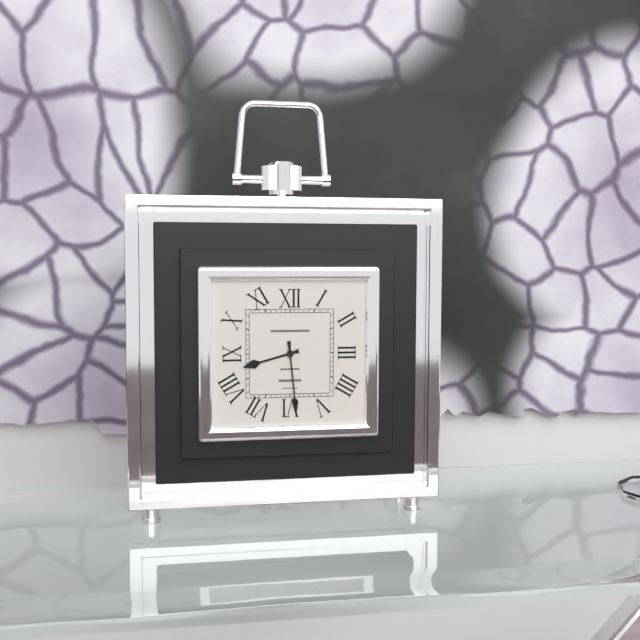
8:29
